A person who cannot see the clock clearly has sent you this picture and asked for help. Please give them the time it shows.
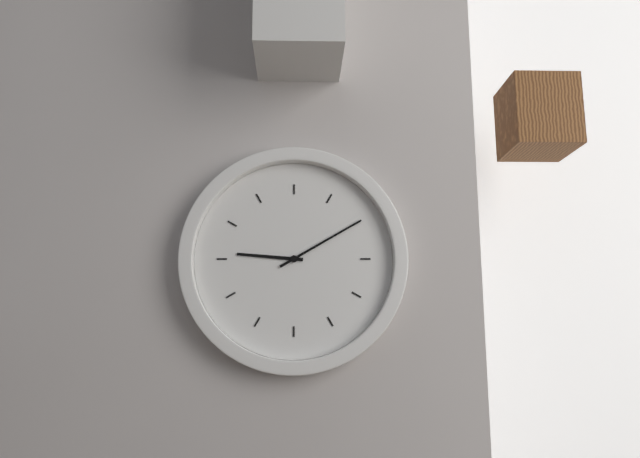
9:10
